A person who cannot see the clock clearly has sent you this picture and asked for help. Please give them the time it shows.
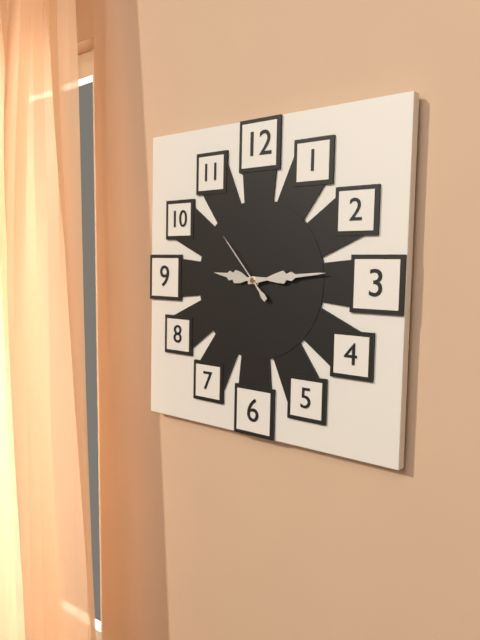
9:14:53
